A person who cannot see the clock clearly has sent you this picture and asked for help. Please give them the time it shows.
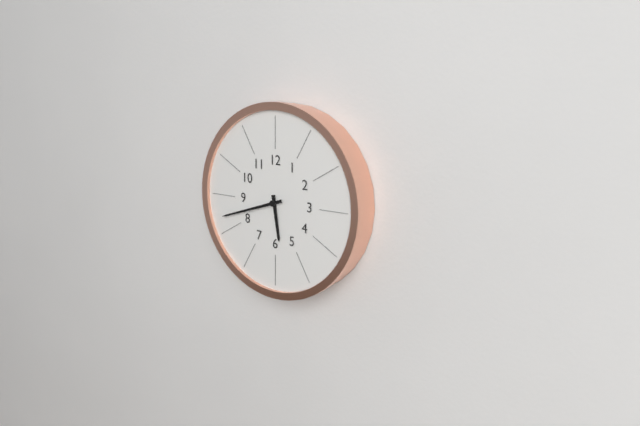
5:42
